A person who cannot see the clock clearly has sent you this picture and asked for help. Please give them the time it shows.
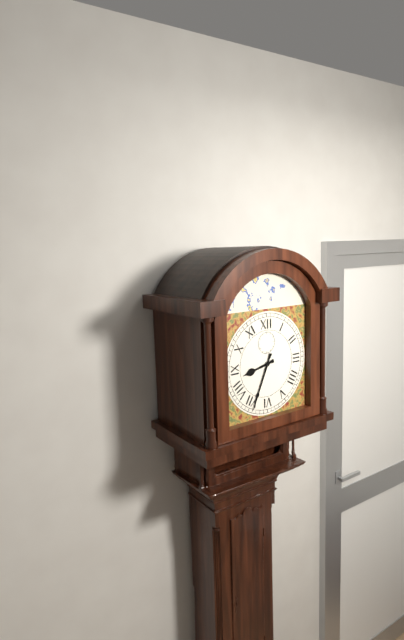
8:34
